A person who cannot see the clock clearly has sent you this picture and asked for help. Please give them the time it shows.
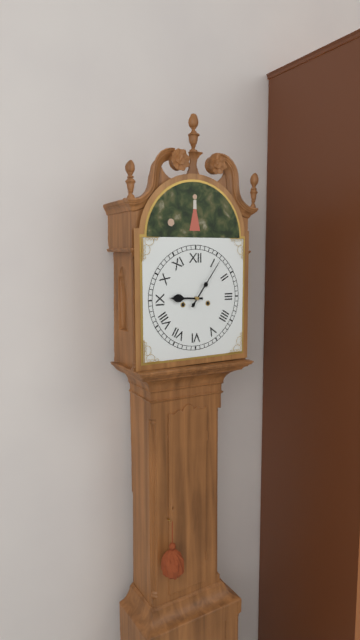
9:06
